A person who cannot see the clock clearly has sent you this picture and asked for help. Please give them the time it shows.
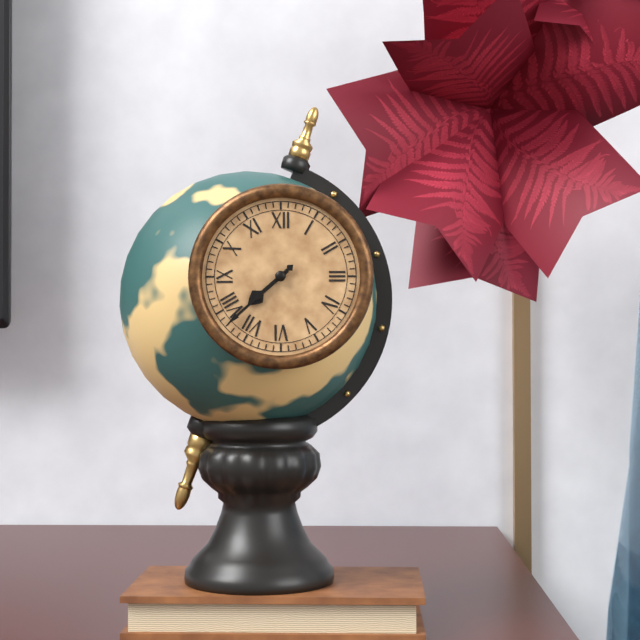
7:38
